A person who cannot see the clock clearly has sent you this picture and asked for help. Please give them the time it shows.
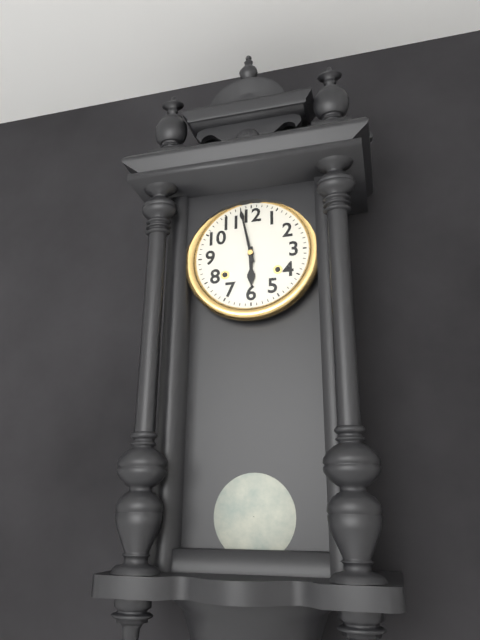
5:58
